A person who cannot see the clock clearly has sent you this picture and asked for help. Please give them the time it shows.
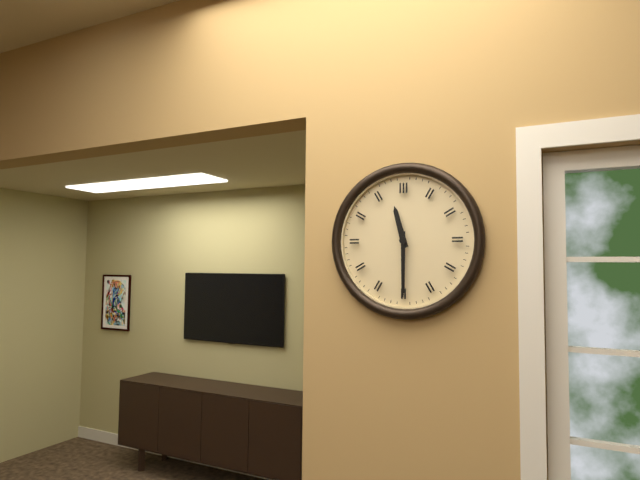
11:30
